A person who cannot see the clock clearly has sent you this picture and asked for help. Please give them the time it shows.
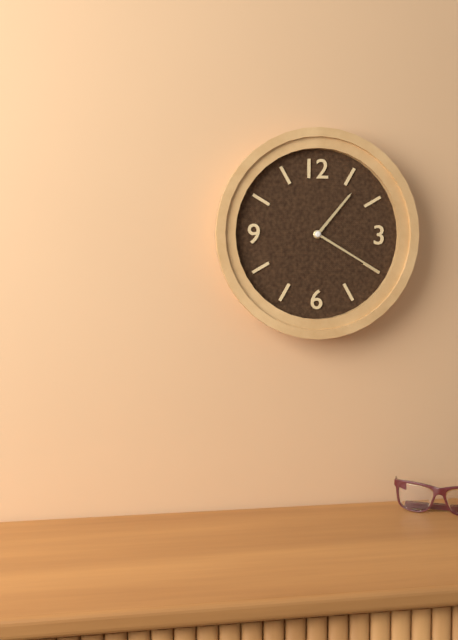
1:20
